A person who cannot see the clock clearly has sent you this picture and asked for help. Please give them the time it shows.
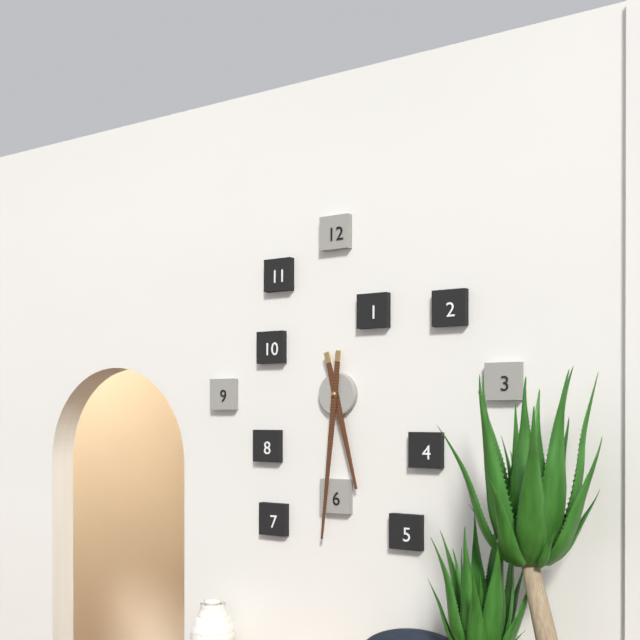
5:31
